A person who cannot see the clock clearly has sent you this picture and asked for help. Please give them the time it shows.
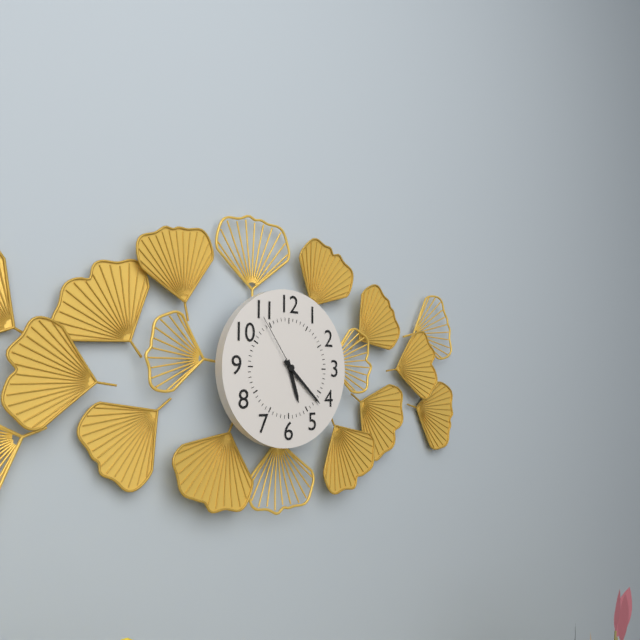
5:22:54
